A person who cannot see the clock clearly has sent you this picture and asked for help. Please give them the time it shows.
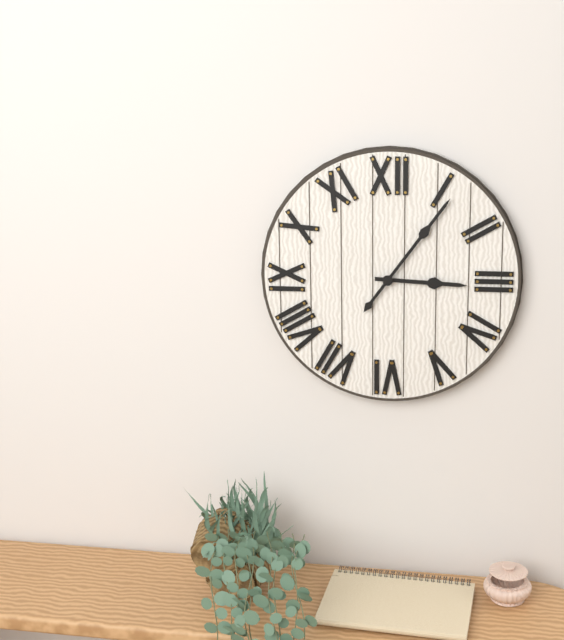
3:06
